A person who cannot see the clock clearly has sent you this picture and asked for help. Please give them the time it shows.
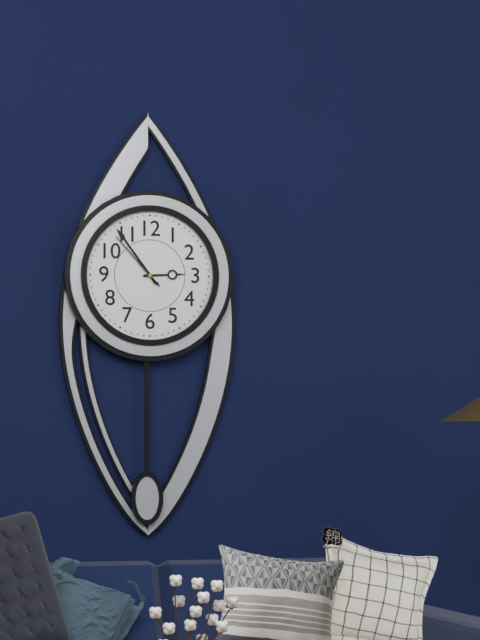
2:54:53
